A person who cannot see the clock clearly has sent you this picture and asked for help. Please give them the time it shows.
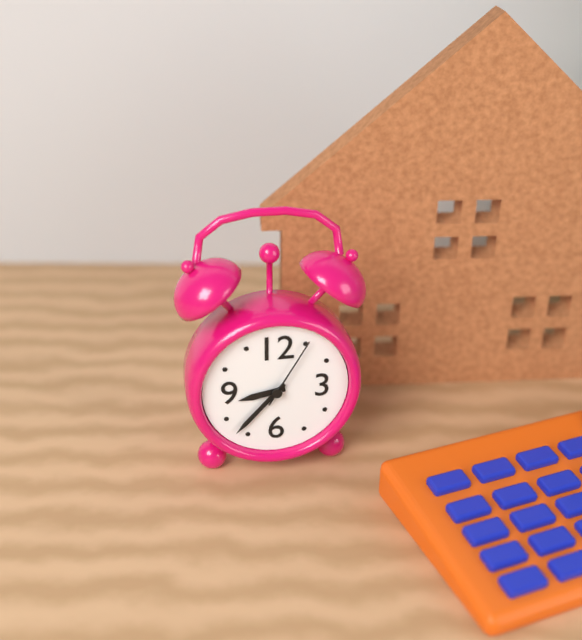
8:37:05
